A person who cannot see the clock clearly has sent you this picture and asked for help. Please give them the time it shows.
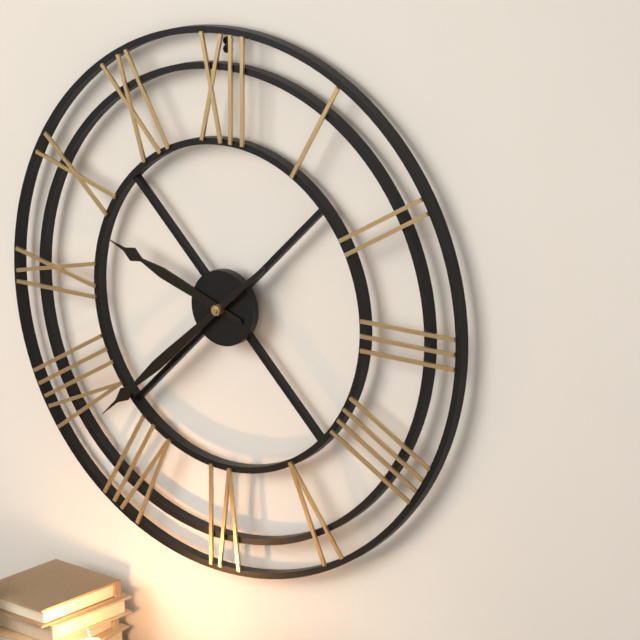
9:38
